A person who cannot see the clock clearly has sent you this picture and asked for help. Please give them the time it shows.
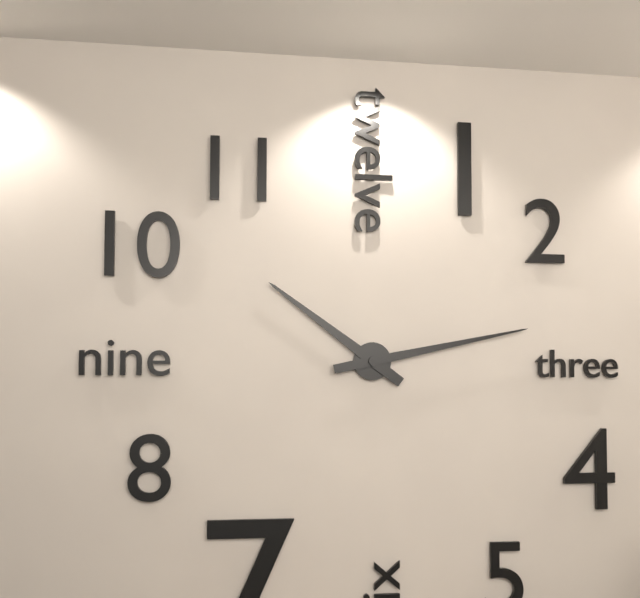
10:13
